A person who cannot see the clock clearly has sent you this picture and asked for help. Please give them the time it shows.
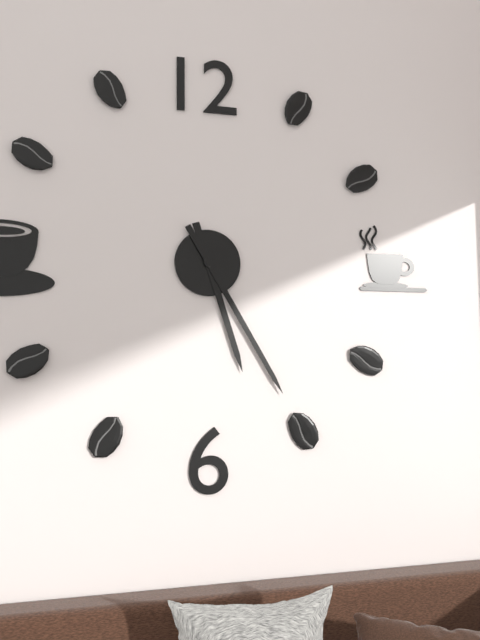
5:25
